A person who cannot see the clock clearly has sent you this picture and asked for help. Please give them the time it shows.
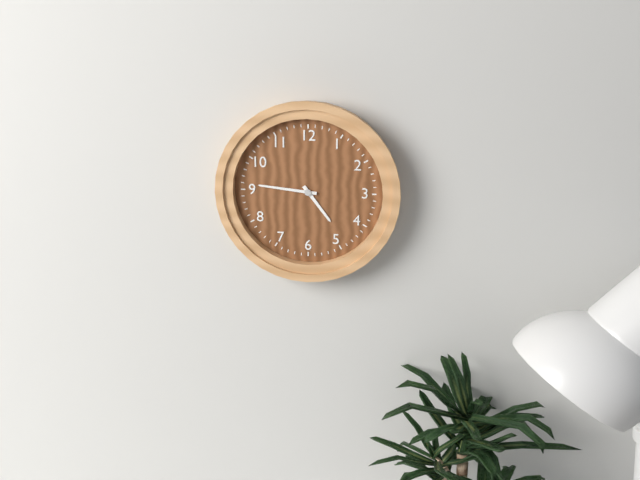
4:46
